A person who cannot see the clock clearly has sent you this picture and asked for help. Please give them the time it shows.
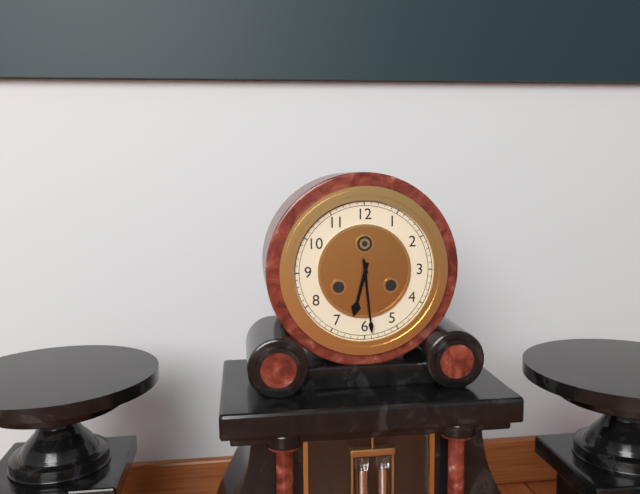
6:29
